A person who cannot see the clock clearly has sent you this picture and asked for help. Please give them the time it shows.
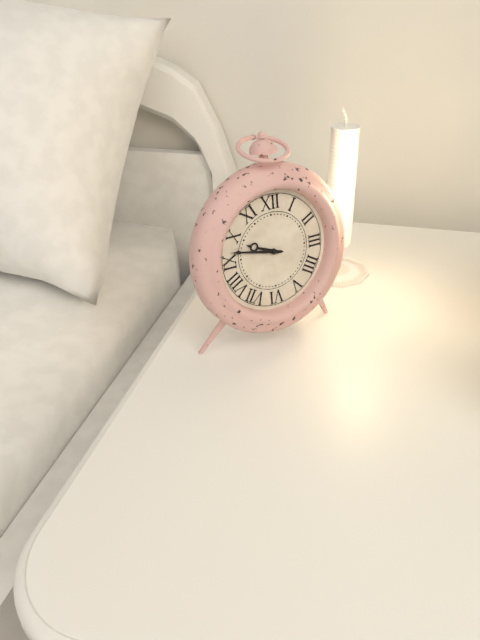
9:47
